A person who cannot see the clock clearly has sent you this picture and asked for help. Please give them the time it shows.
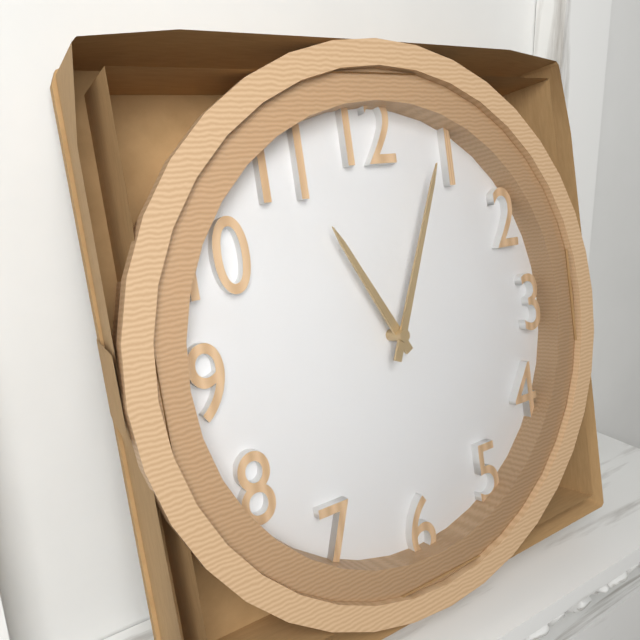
11:04
